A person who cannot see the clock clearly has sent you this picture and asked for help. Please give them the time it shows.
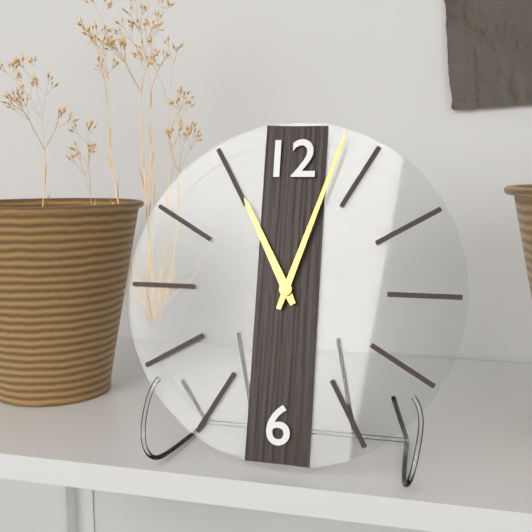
11:03
